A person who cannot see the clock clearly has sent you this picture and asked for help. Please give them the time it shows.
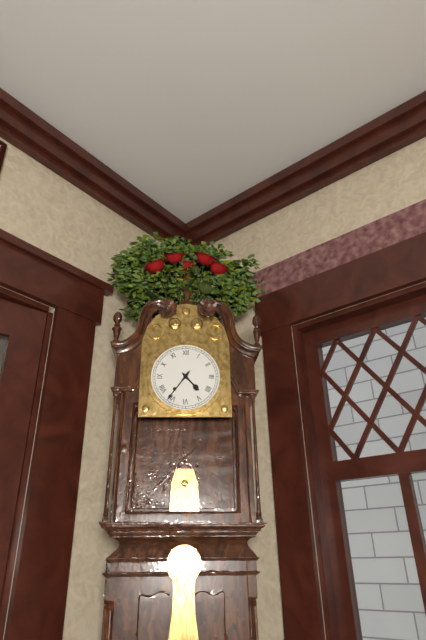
4:36
